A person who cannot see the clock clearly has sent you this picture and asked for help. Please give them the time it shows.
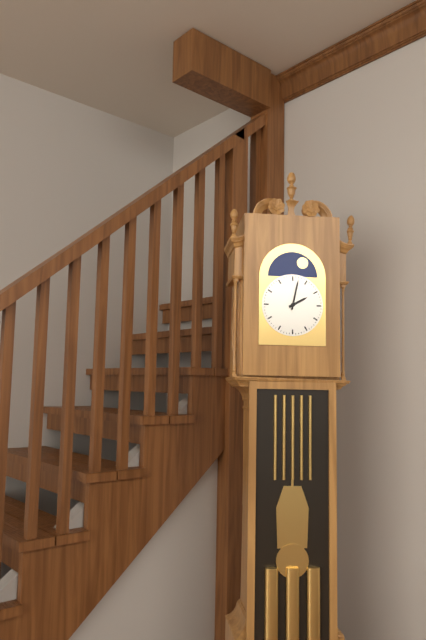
2:02
